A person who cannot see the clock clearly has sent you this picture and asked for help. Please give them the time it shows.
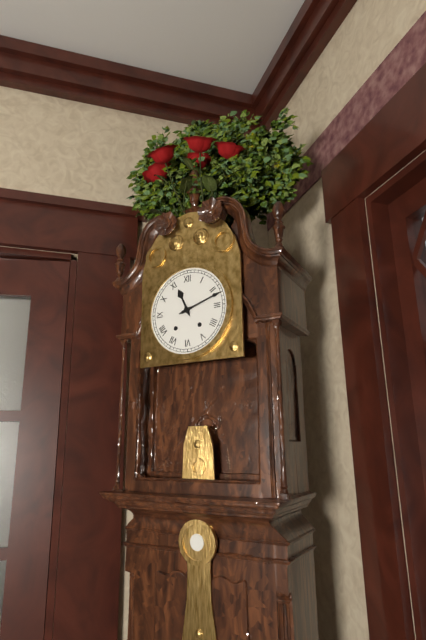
11:12
